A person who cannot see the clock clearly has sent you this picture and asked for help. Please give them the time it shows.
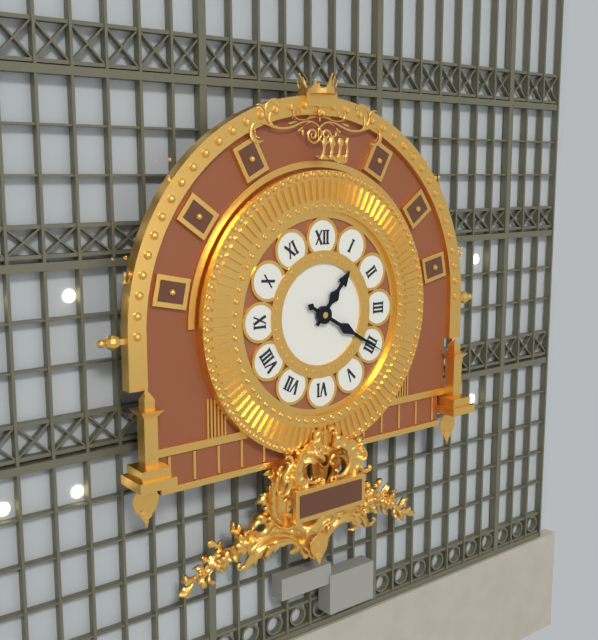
1:20
